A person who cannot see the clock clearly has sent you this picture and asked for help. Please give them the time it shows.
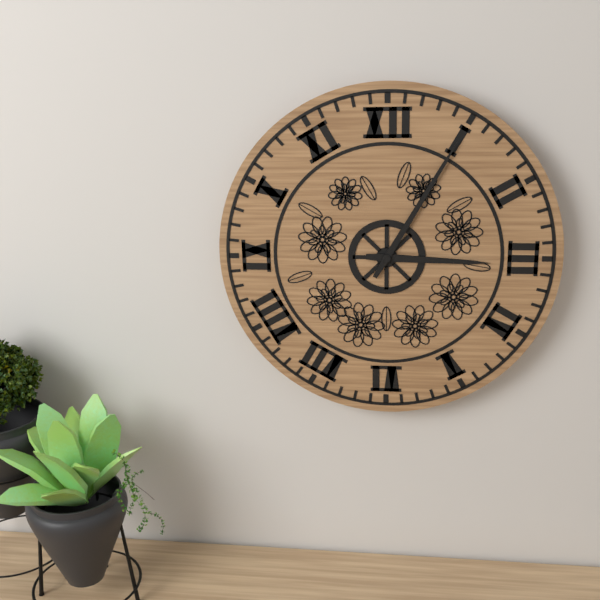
3:05
